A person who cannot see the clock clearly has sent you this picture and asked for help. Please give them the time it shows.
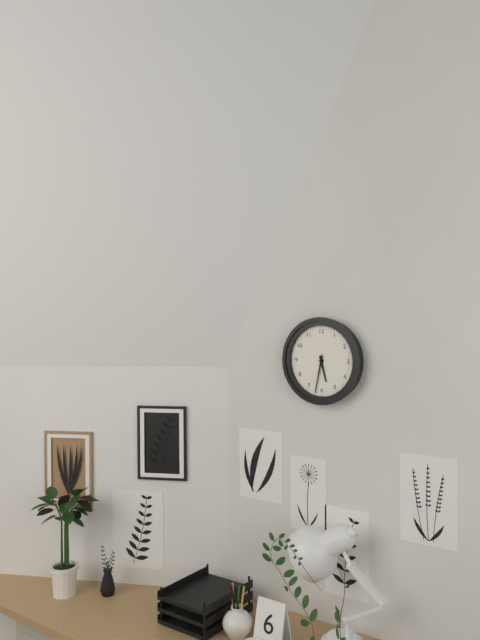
5:32
